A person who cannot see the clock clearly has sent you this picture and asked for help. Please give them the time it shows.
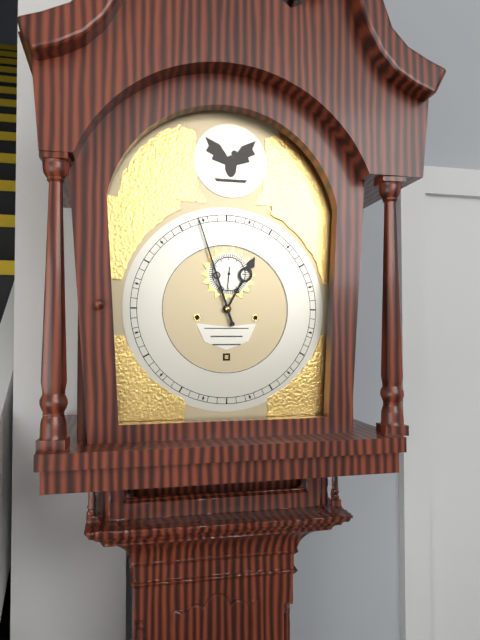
12:57
